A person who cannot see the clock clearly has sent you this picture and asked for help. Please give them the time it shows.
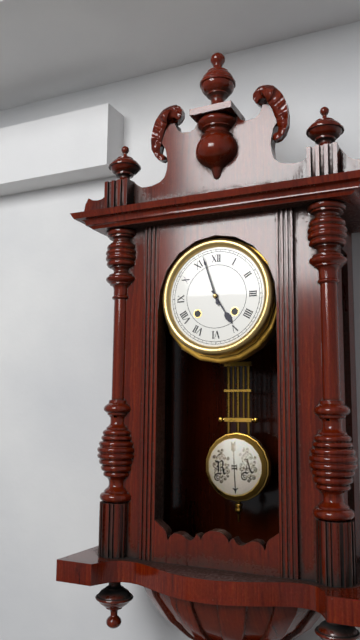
4:57
